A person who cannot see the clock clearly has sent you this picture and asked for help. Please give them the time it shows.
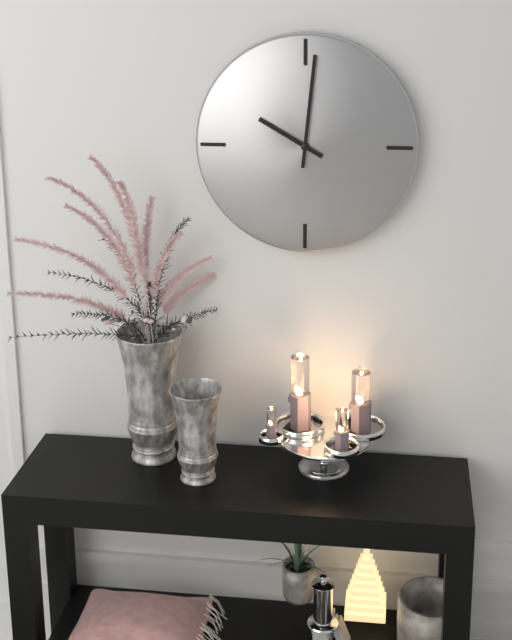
10:01
